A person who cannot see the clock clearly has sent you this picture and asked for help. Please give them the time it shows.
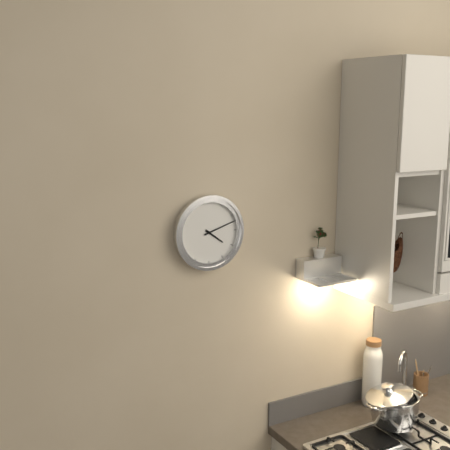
4:12
